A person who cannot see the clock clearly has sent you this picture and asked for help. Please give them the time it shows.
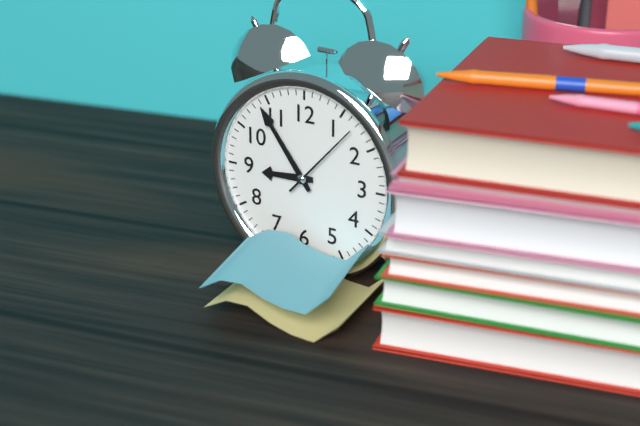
8:54:07
